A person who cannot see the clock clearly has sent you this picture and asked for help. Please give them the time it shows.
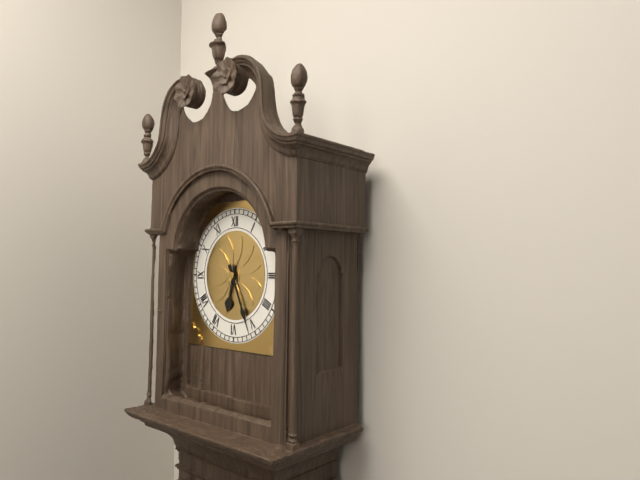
6:26
